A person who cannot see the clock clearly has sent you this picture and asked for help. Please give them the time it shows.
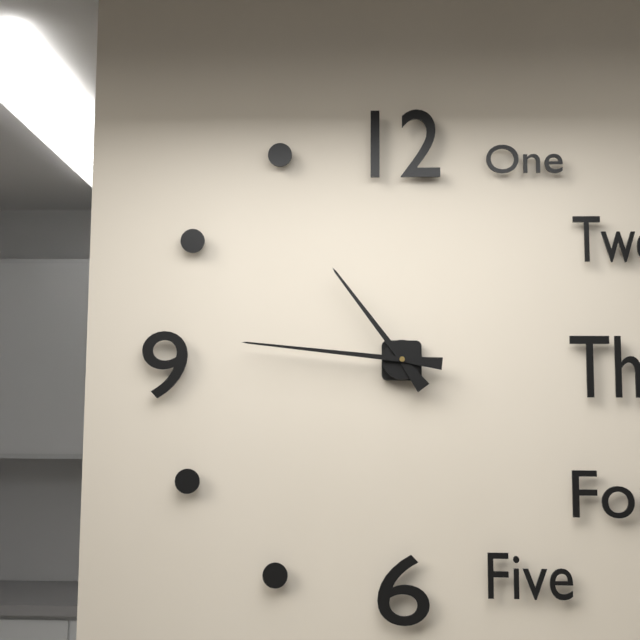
10:46
